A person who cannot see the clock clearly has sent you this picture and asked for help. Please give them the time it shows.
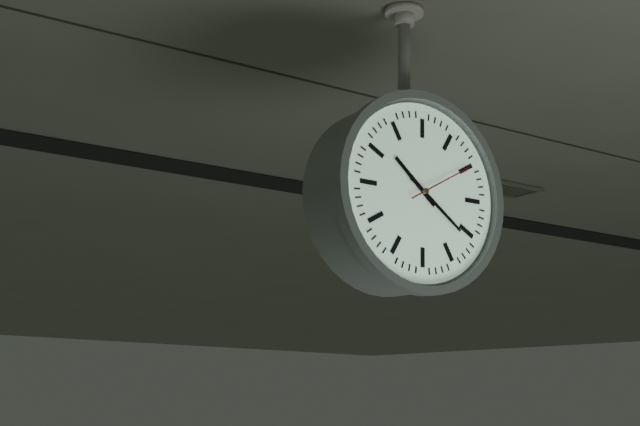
10:21:10
